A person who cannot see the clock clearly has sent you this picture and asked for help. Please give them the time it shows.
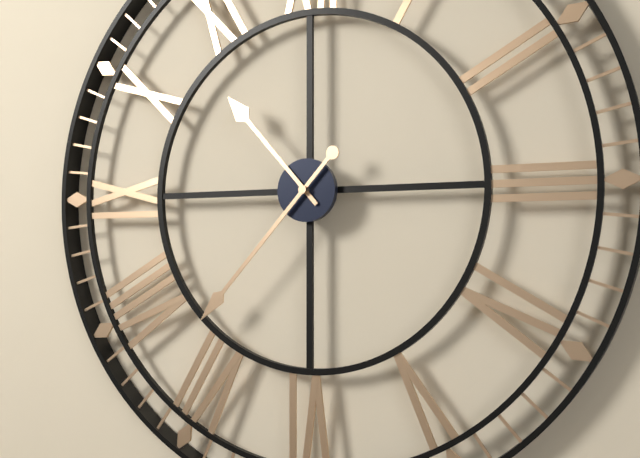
10:37
